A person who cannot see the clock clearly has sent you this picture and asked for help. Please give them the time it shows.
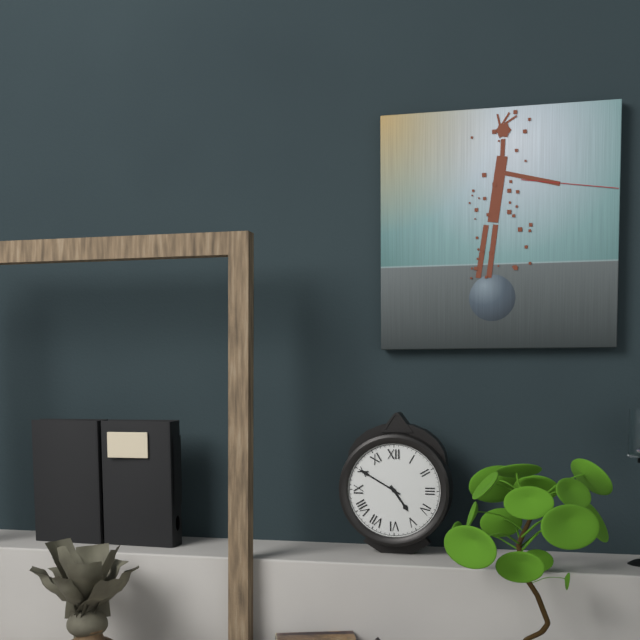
4:50
